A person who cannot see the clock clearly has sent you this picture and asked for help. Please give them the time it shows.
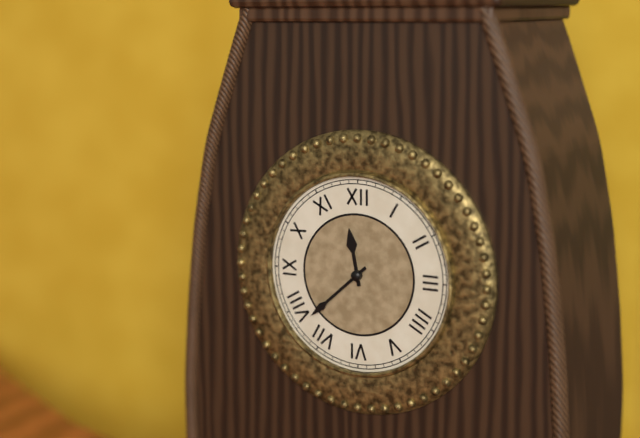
11:38
